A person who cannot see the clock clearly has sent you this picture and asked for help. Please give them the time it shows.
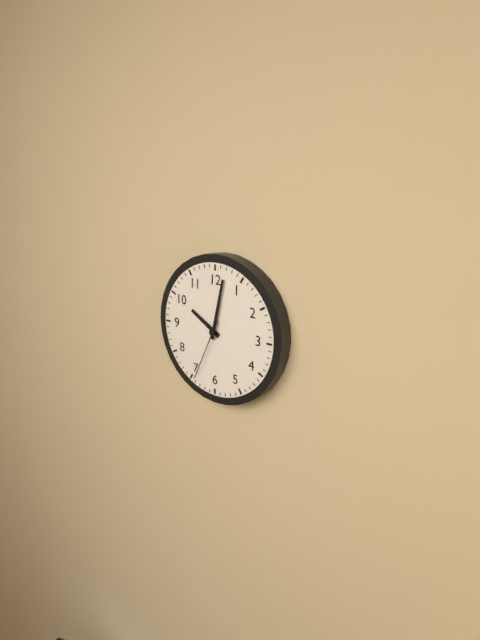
10:02:34
